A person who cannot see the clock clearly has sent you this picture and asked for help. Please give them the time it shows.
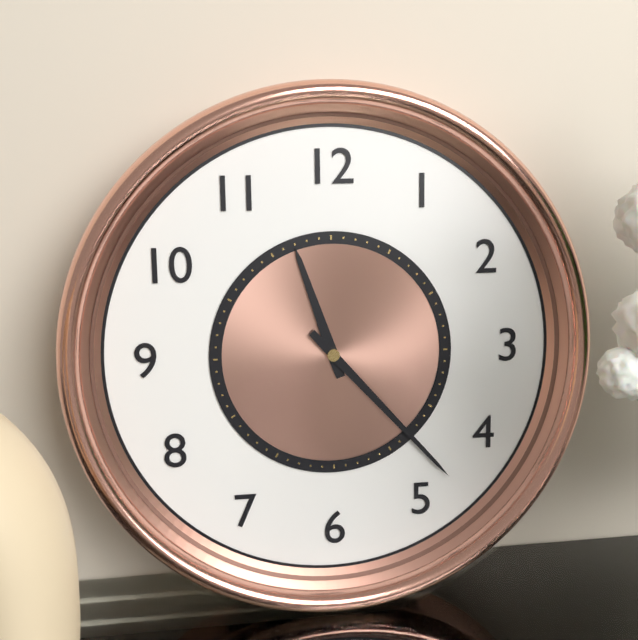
11:23
